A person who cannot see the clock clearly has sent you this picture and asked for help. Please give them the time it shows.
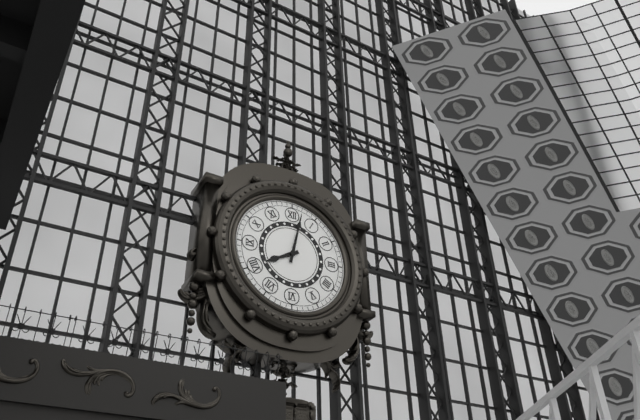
8:02
